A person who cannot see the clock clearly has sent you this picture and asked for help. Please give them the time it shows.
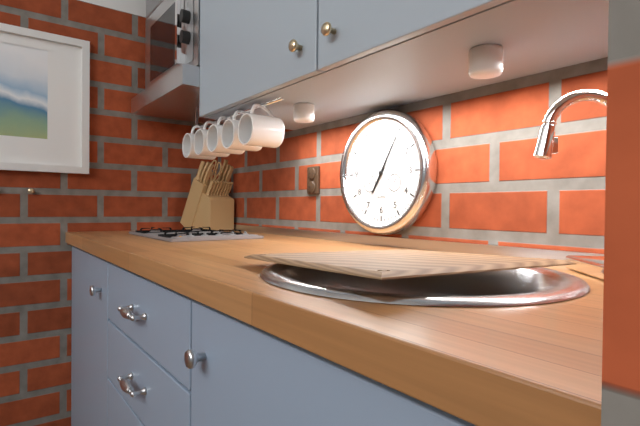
7:05
